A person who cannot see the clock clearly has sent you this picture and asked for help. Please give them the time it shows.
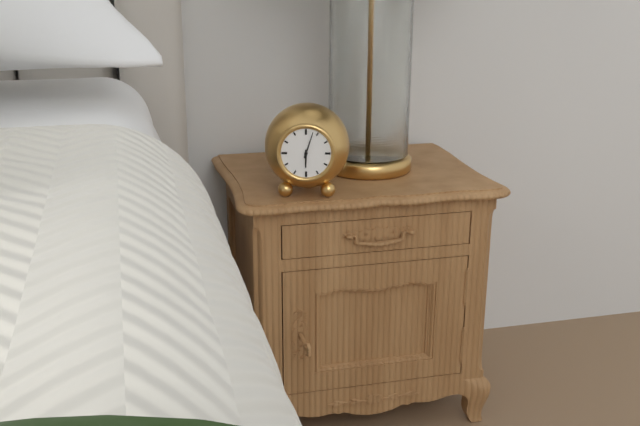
6:03
